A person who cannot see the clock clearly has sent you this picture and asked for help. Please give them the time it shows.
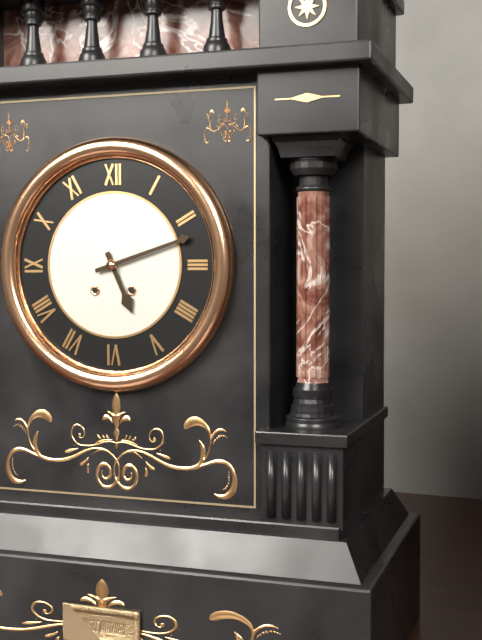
5:12
